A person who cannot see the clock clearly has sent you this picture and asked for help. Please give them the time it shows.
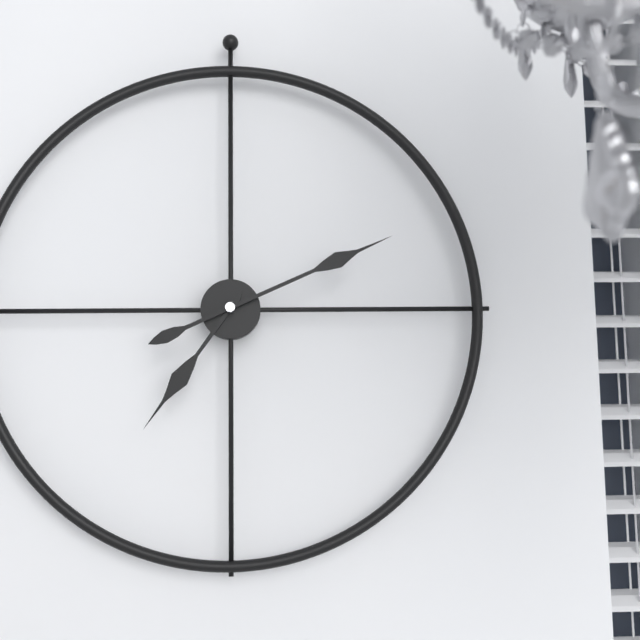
7:11
